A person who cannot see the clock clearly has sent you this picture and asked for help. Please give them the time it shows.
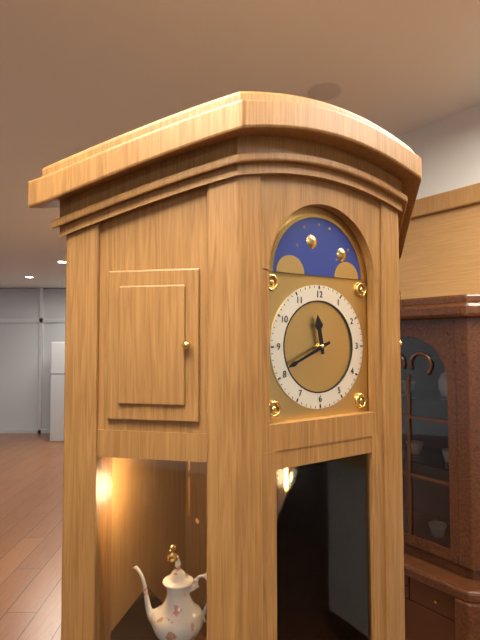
11:41
